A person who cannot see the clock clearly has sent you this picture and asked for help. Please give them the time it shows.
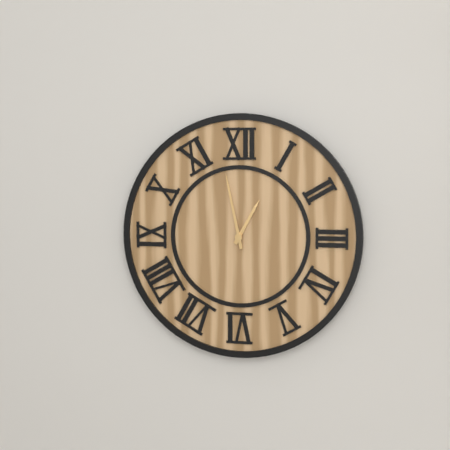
12:58
